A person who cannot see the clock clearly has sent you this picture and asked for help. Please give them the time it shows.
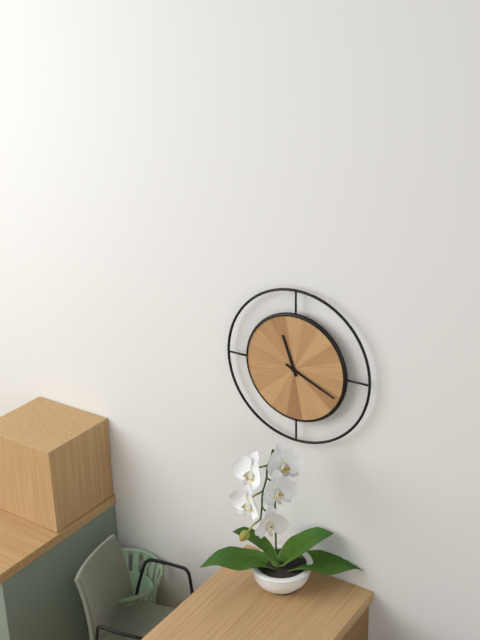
11:19
